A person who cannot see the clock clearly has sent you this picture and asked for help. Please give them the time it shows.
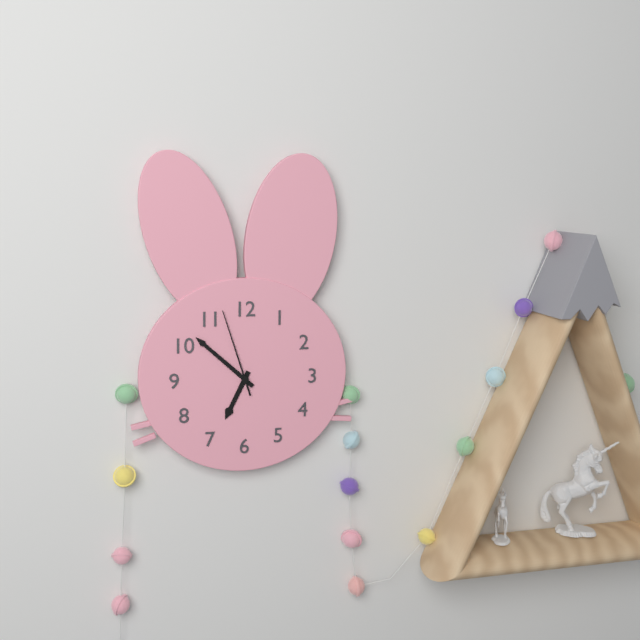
6:52:57
